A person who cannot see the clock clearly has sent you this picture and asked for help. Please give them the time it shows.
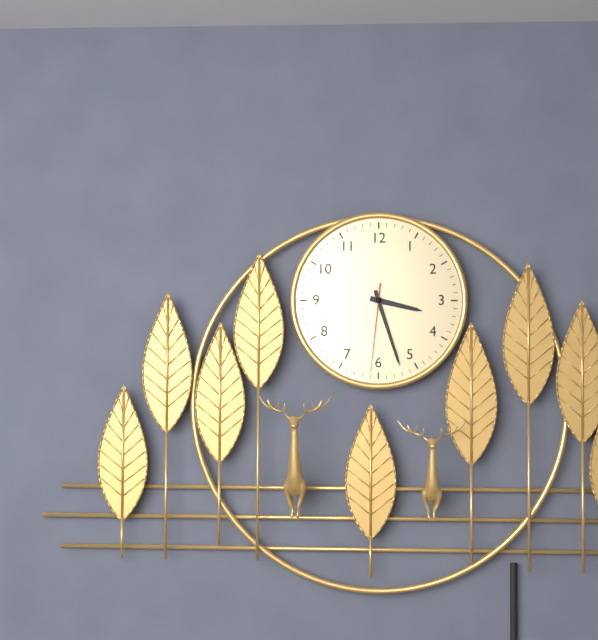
3:27:31
